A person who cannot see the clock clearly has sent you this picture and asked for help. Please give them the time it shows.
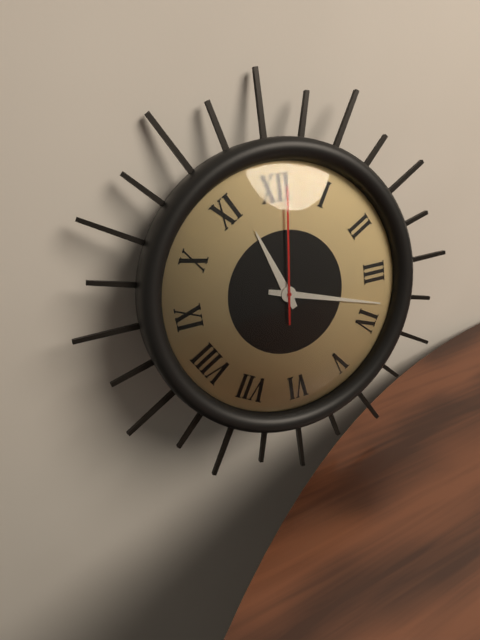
11:18:01
